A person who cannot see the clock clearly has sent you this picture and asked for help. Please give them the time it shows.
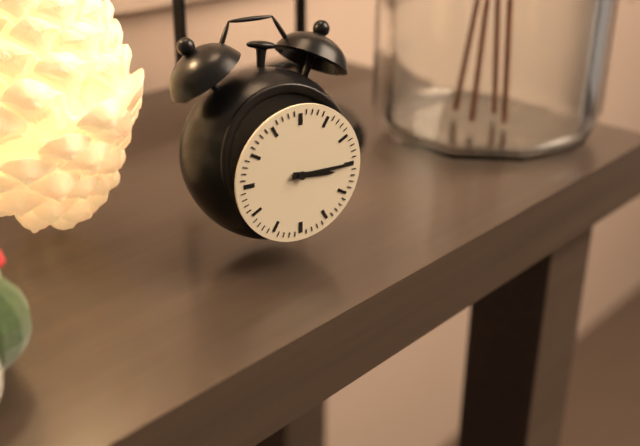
3:15
